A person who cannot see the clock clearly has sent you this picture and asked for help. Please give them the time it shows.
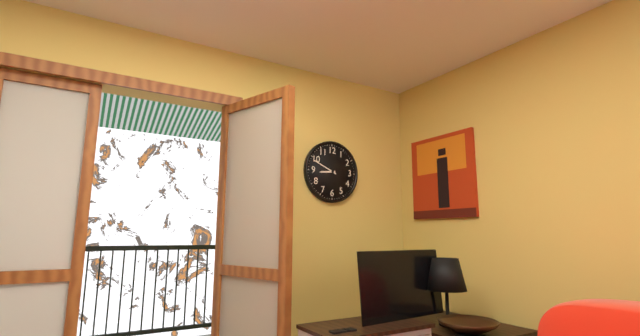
8:49
